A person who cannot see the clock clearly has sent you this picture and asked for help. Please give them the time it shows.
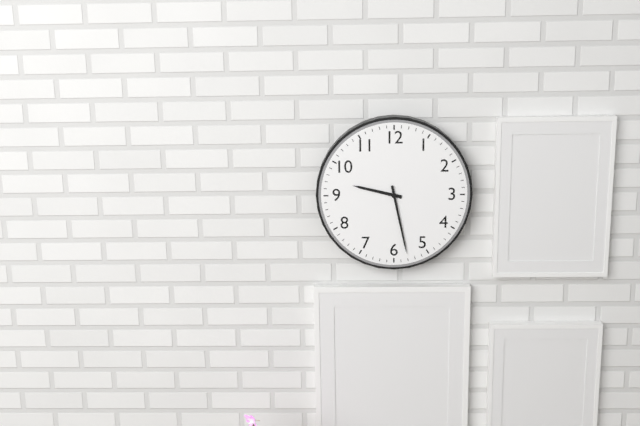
9:28
